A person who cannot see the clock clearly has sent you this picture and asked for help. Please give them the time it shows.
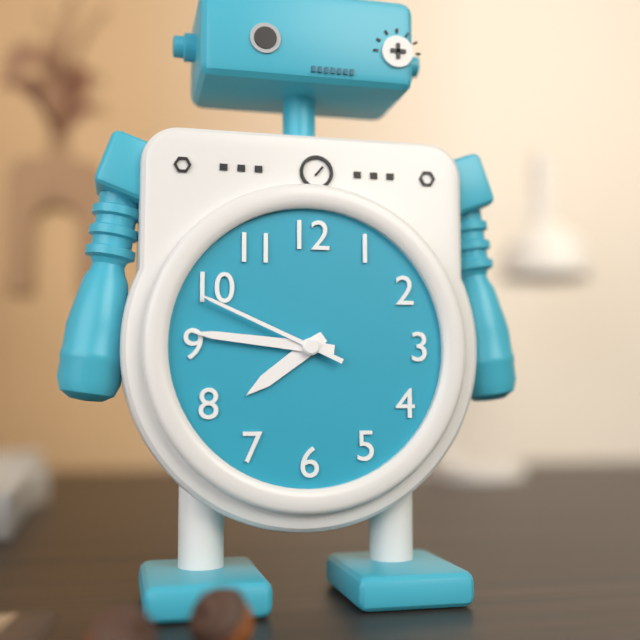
7:46:49
